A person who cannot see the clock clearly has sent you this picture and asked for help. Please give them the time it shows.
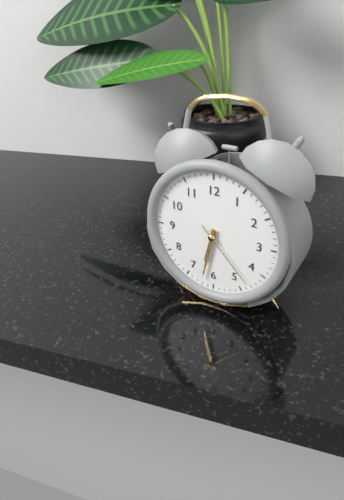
6:32:23
